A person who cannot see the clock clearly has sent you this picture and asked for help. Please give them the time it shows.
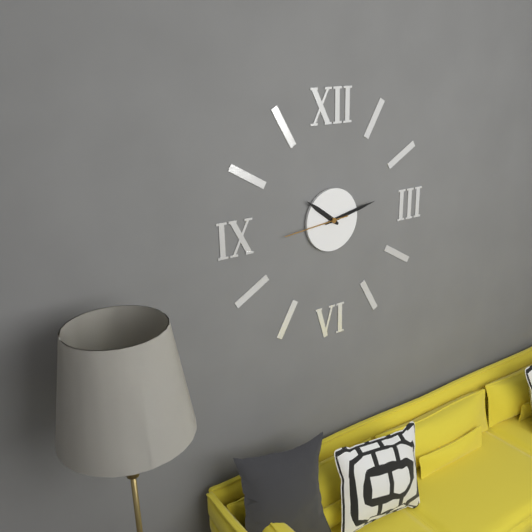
10:13:44
